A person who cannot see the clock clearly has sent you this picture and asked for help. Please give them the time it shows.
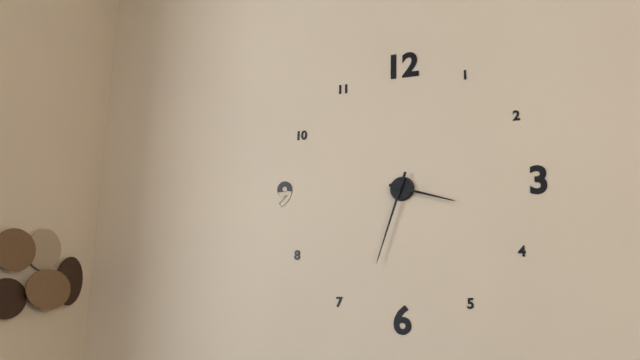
3:33
